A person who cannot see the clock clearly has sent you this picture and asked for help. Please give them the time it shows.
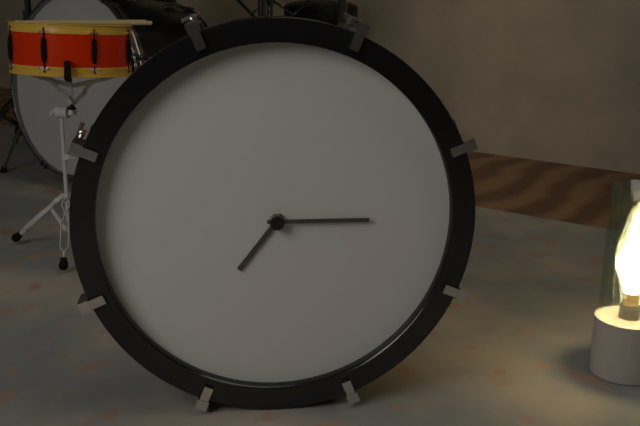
7:15
